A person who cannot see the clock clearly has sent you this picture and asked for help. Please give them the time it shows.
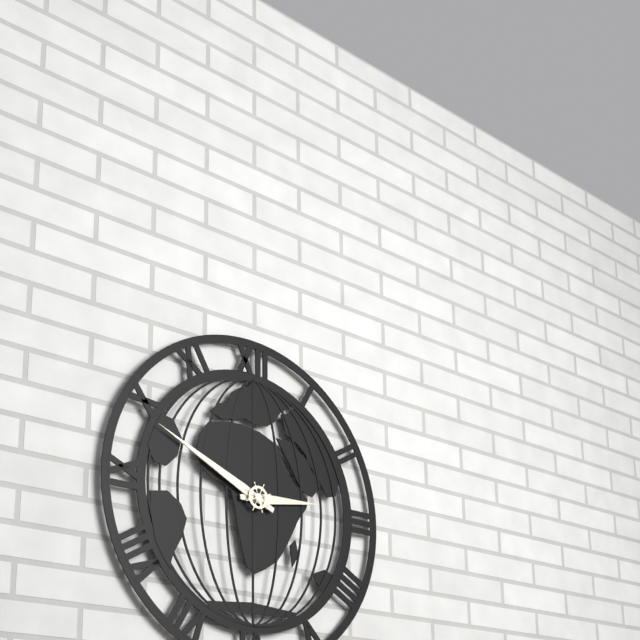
2:49
